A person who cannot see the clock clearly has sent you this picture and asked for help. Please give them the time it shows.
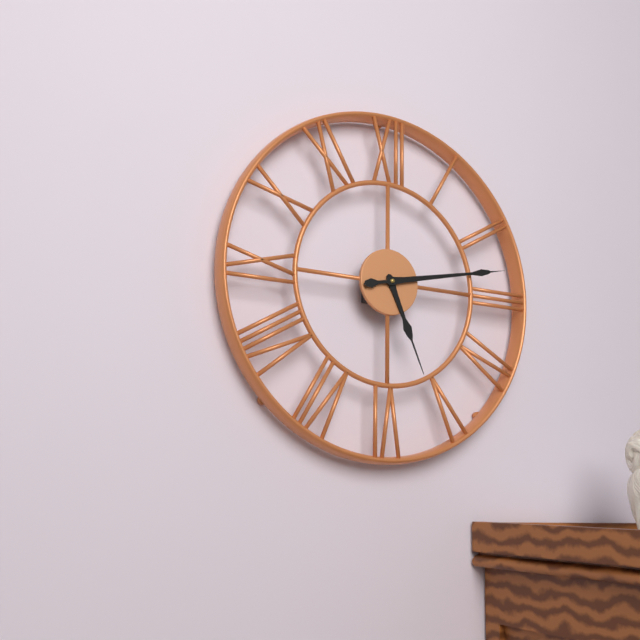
5:13
